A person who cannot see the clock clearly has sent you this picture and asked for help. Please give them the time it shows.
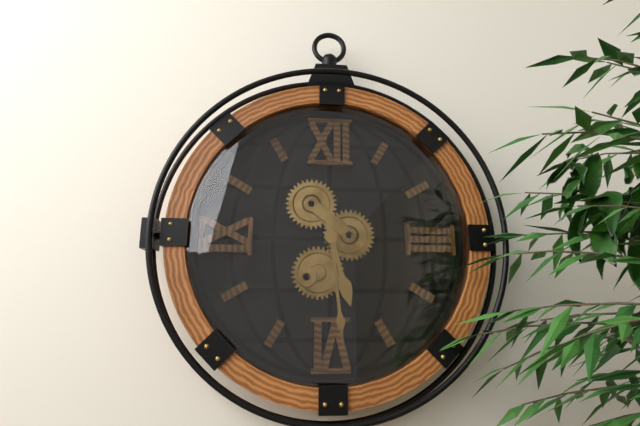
5:29
